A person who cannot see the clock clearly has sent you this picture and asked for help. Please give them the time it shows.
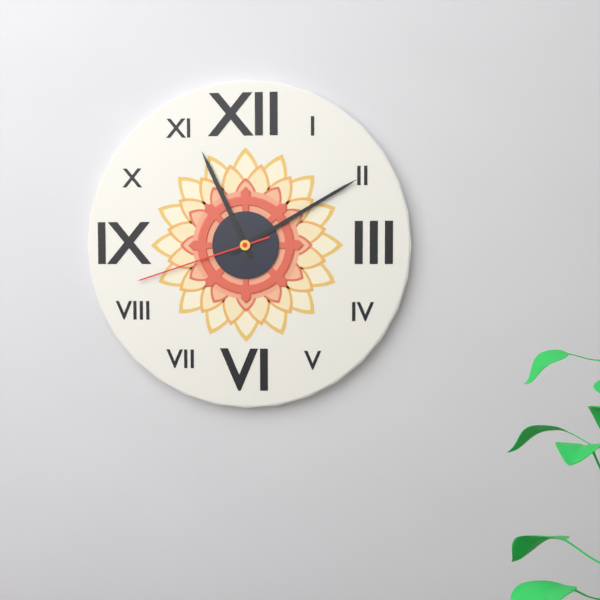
11:10:42
